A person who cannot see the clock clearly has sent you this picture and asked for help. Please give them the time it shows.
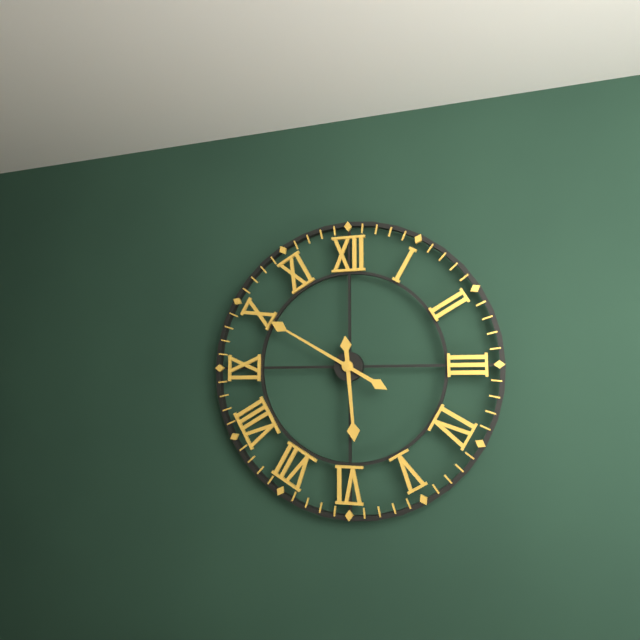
5:50
